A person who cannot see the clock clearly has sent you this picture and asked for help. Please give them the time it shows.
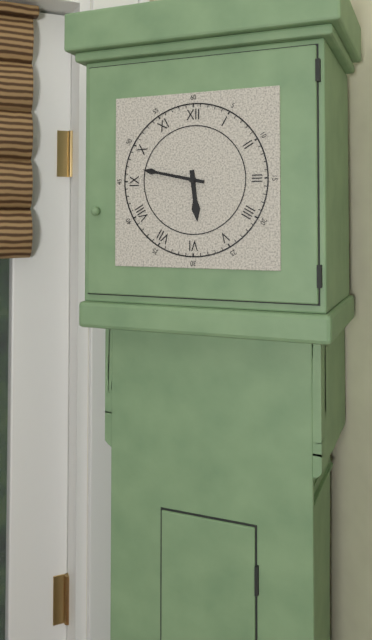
5:47
